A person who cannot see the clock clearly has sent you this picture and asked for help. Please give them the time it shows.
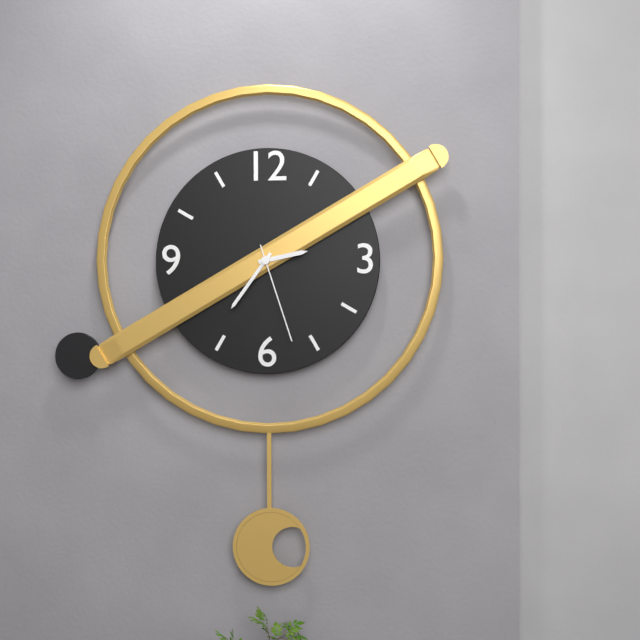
2:36:27
